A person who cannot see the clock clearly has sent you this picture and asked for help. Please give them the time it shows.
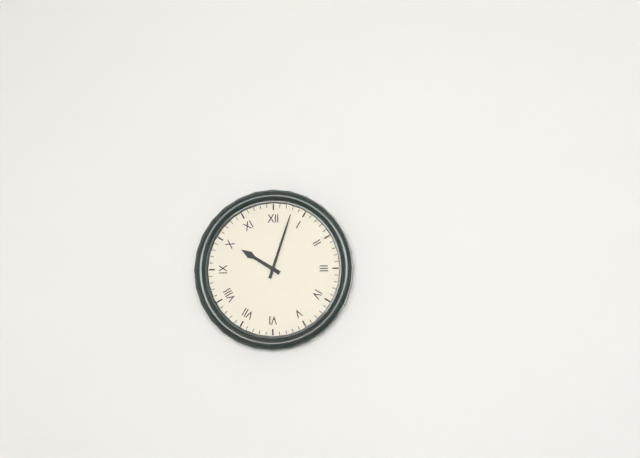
10:03
